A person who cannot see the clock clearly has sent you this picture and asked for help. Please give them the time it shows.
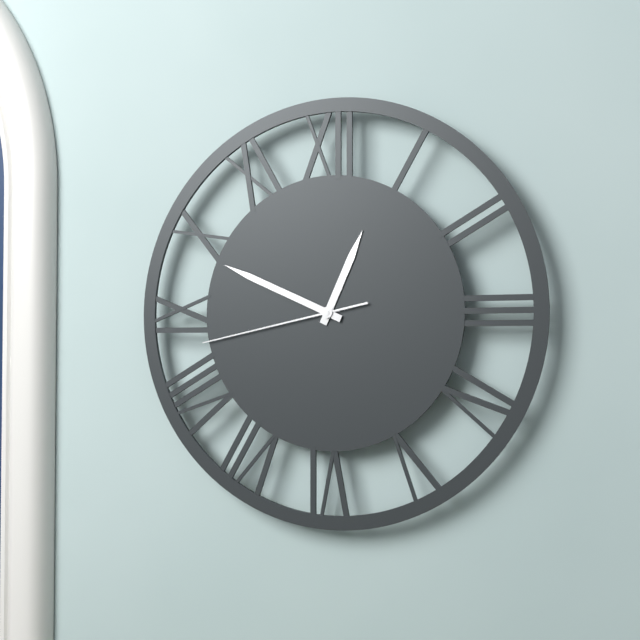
12:49:43
